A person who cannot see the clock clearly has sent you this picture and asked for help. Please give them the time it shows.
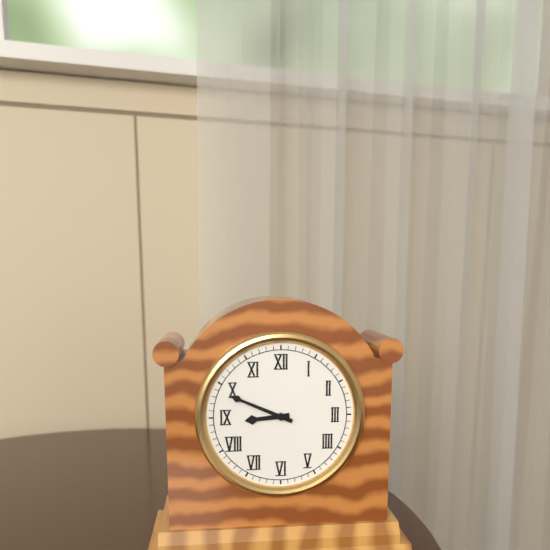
8:49
